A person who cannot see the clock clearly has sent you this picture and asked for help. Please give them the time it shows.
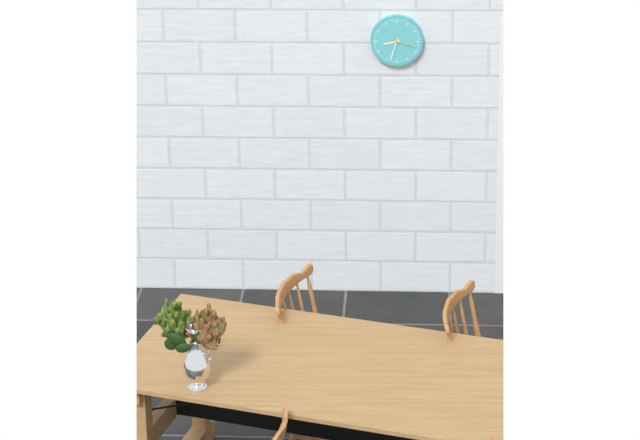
8:33
